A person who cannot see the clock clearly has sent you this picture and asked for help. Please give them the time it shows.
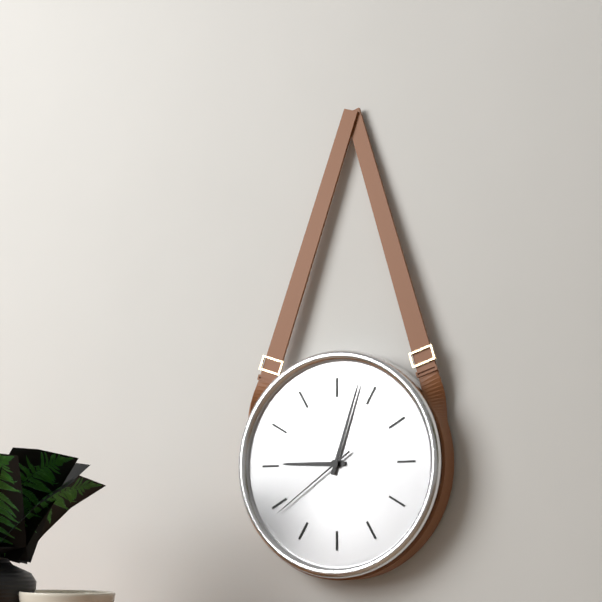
9:03:39
